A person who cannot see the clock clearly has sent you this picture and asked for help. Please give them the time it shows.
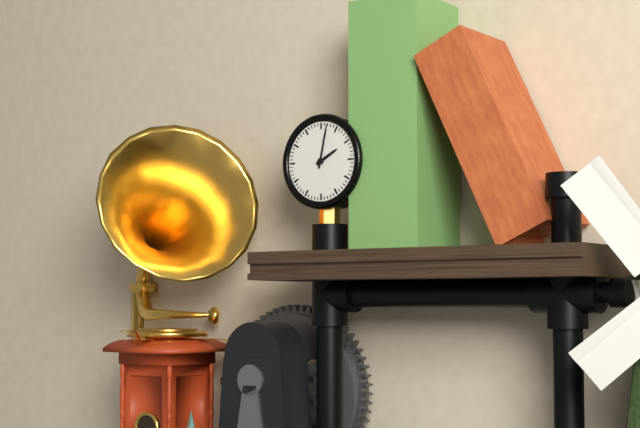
2:02
